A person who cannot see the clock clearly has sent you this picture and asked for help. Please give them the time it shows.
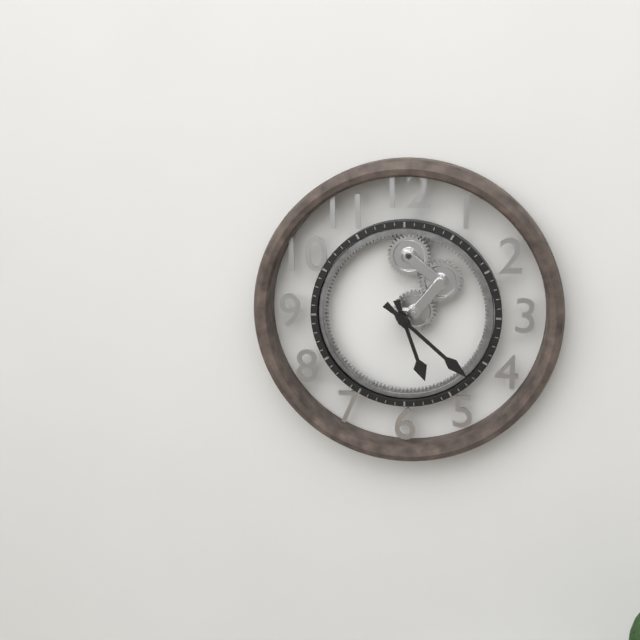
5:22
